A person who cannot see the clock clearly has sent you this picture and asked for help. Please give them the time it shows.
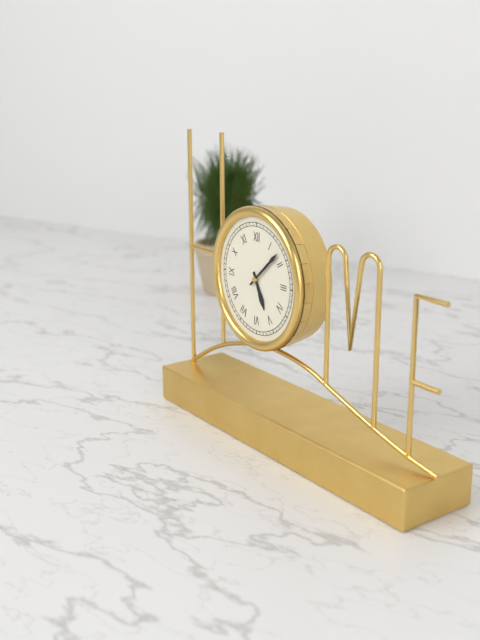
5:08
